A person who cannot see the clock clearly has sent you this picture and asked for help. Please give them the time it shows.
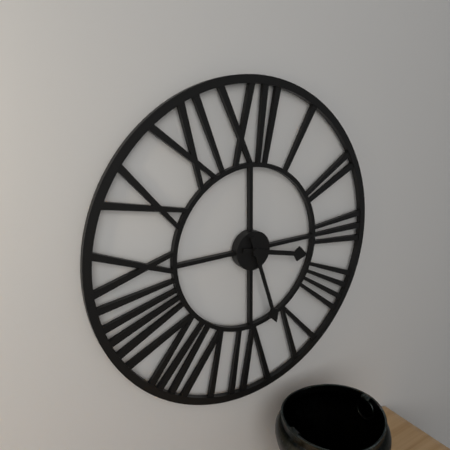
3:27
